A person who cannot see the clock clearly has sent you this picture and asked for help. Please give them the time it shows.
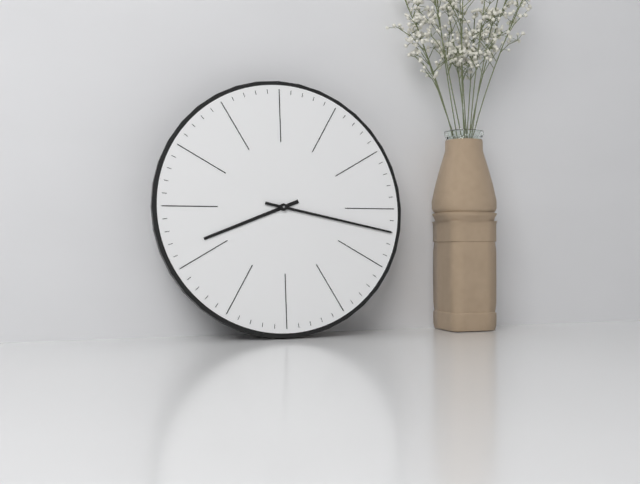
8:17
